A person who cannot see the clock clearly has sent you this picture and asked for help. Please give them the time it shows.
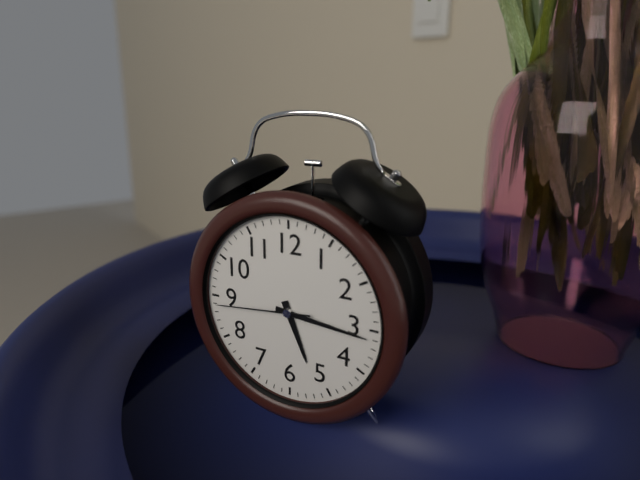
5:16:44
